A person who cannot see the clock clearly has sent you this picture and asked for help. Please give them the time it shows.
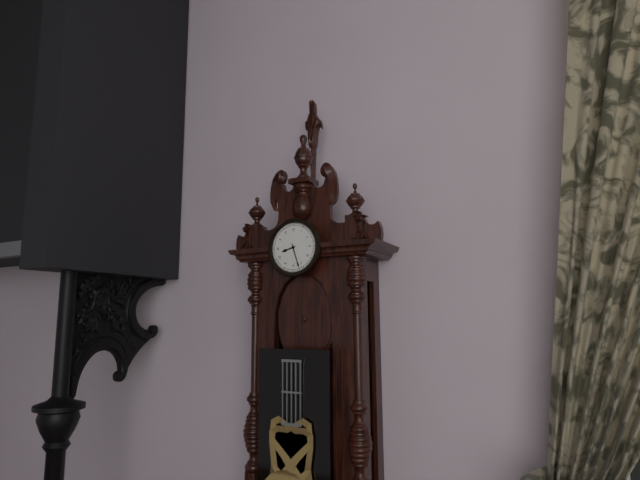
8:27
